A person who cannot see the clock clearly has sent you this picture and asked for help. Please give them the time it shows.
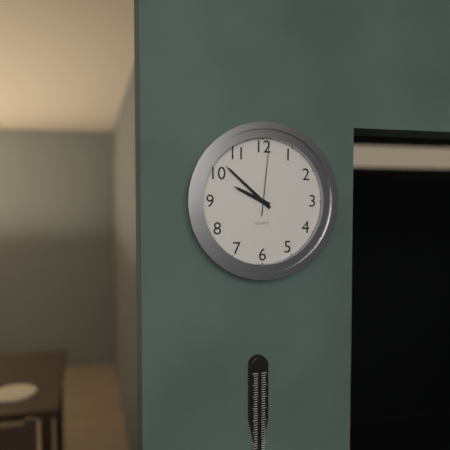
9:52:01
